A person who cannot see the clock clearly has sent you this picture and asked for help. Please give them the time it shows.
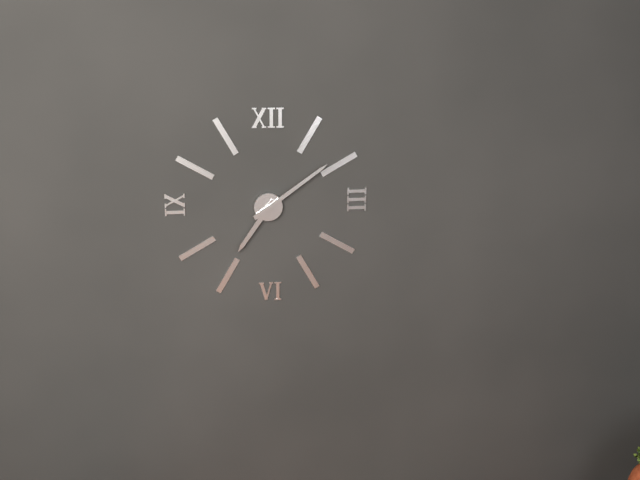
7:09
